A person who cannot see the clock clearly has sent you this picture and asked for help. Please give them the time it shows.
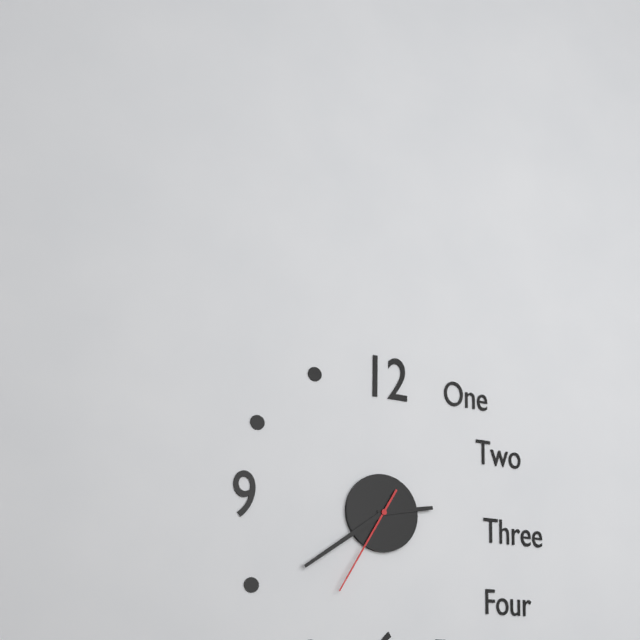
2:39:35
